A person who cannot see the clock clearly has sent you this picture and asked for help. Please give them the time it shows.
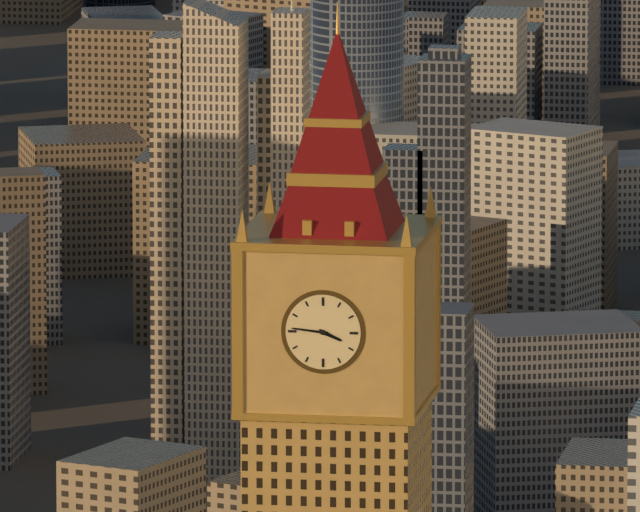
3:46
